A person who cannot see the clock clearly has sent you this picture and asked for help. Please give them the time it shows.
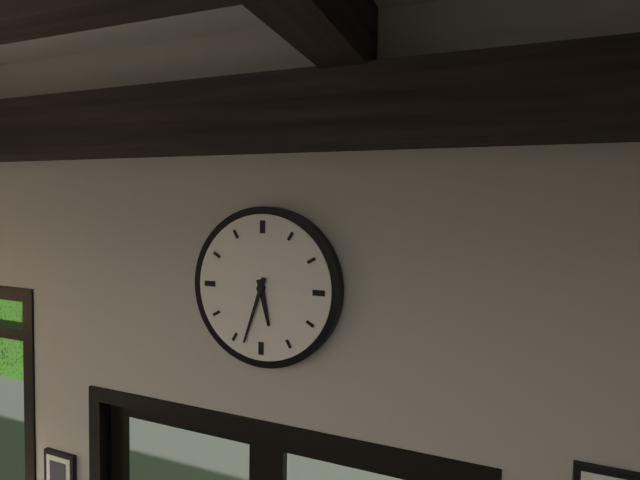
5:33
